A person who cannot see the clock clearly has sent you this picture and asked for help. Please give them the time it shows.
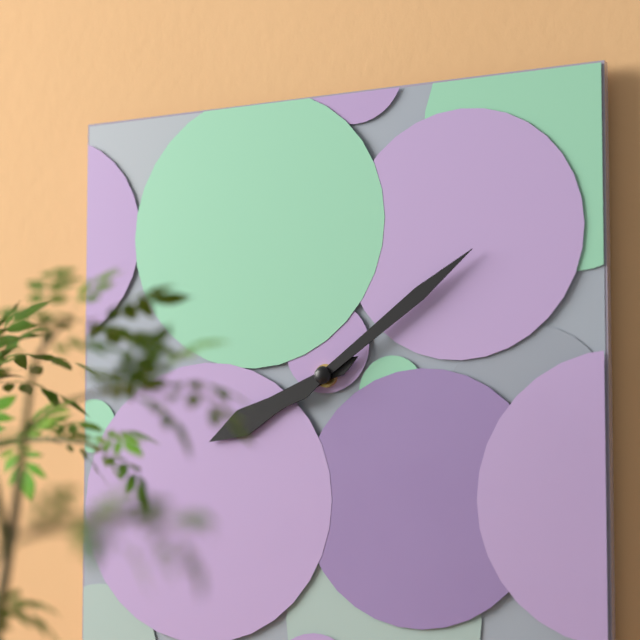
8:09
